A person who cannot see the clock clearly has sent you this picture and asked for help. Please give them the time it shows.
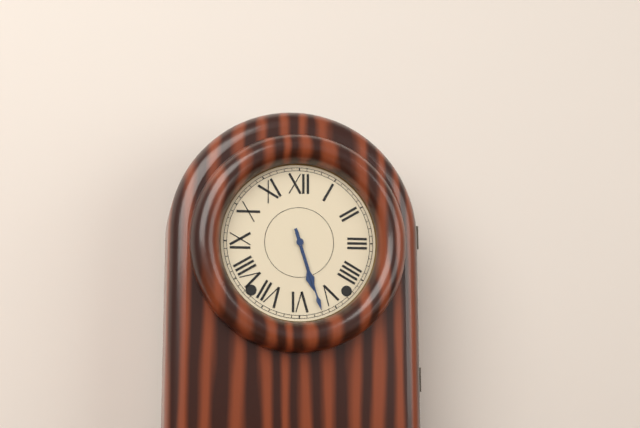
5:27
